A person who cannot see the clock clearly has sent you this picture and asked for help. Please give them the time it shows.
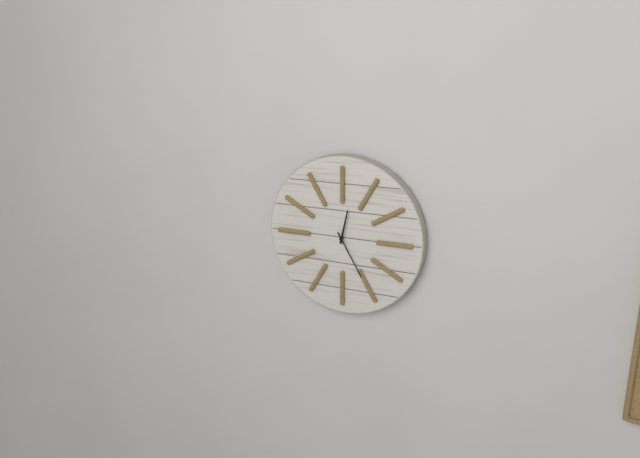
12:25
